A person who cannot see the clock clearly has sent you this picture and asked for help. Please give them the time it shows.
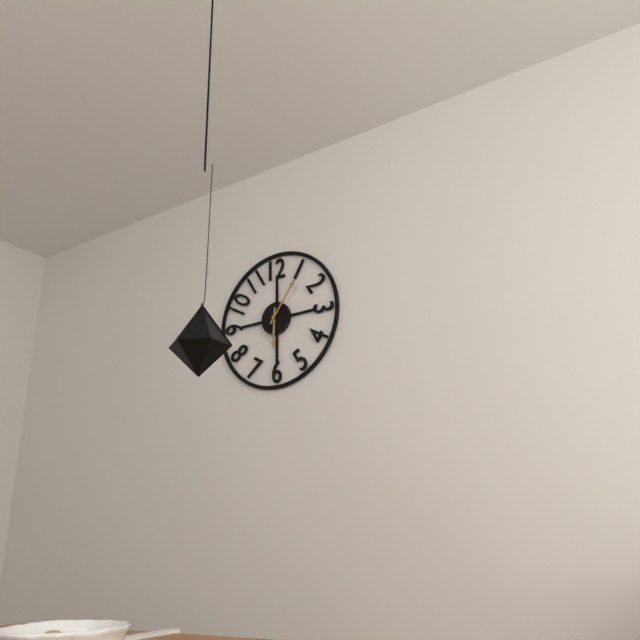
6:06
